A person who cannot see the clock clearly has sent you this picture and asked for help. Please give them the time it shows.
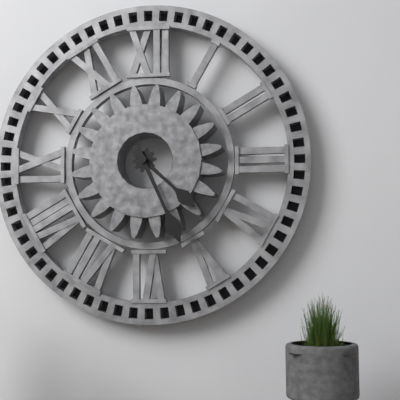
4:26
